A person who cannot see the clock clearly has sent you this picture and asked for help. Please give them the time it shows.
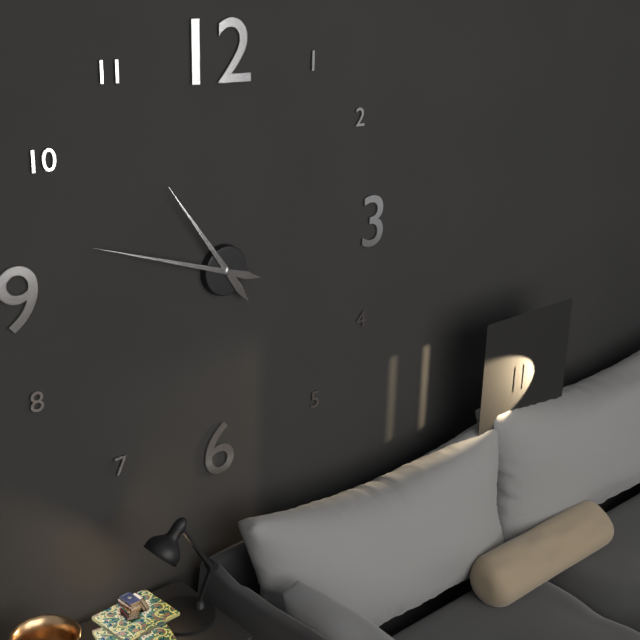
10:48
